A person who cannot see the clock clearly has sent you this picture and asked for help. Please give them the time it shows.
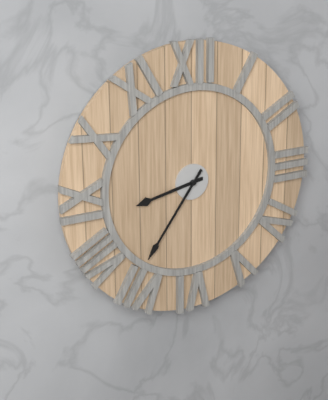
8:36
